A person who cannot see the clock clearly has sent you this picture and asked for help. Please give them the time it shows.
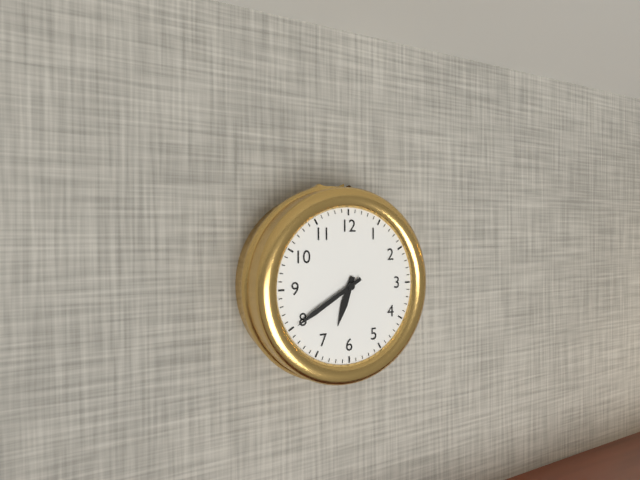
6:40
